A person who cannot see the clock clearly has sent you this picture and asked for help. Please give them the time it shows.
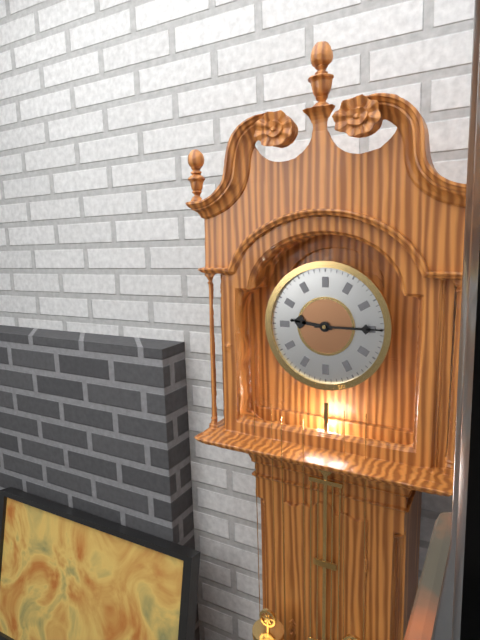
9:15
